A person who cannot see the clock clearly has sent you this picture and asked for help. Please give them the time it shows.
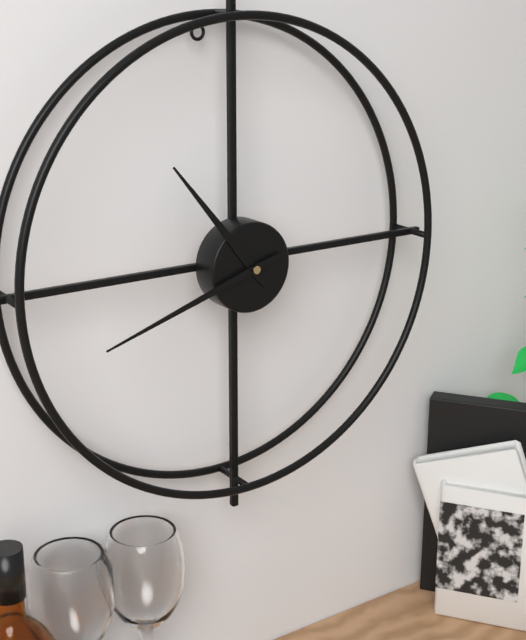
10:42
